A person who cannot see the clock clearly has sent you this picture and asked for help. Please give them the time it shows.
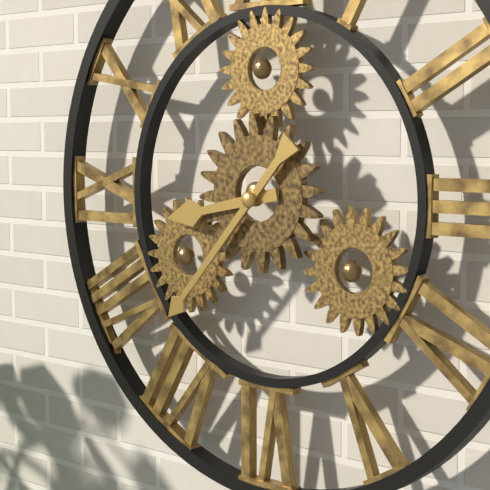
8:37
